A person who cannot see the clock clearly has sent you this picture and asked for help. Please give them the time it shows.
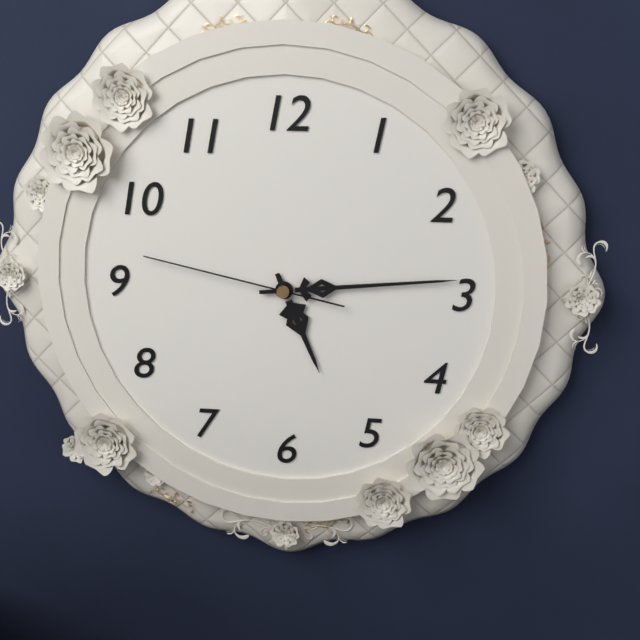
5:14:47
